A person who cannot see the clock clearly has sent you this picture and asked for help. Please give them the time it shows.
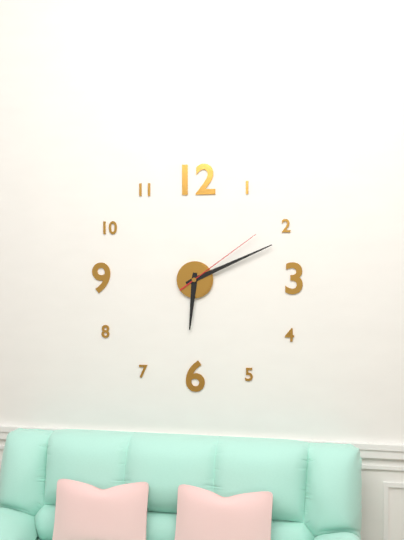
6:11:09
